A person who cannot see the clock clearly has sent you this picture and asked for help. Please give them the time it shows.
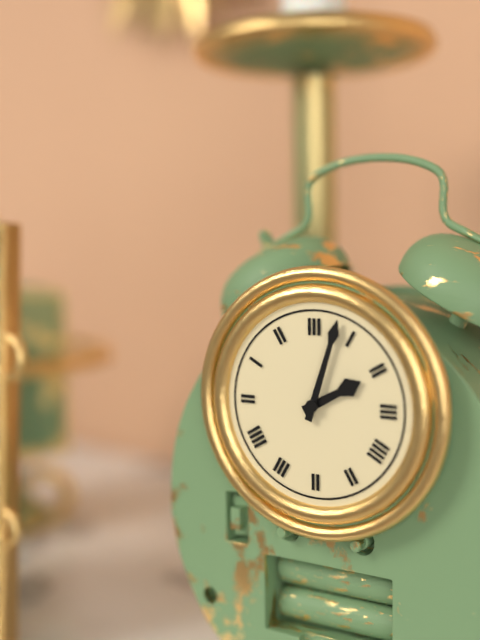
2:03
